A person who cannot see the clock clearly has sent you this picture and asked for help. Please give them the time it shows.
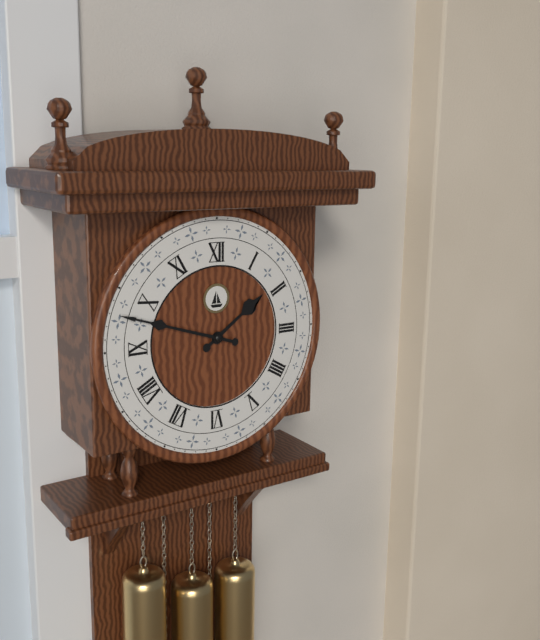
1:48
